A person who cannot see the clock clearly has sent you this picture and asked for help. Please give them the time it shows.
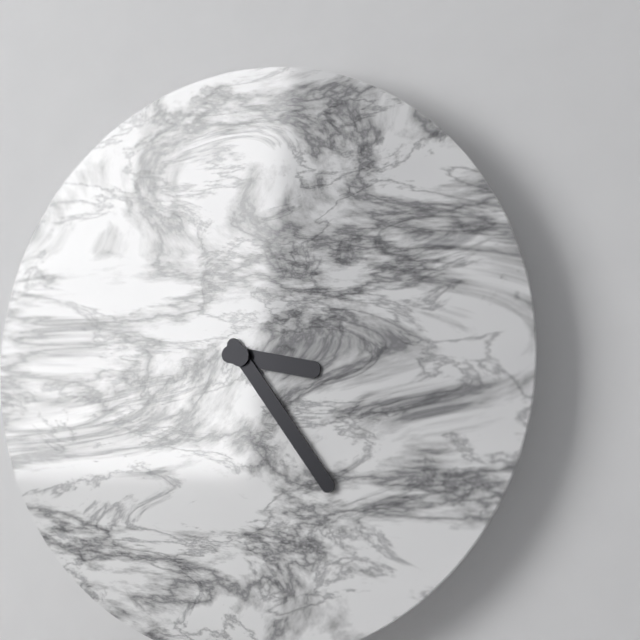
3:24
